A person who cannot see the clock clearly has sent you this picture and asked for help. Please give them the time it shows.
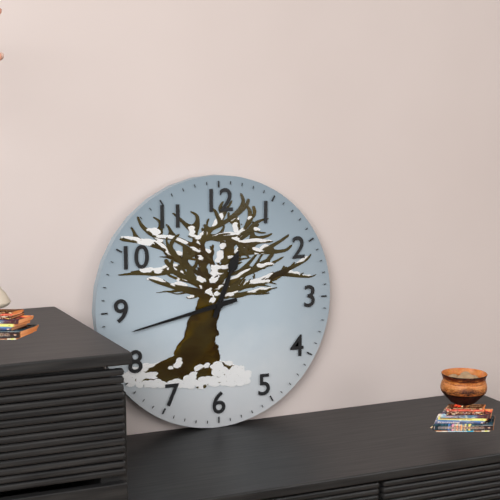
12:43
